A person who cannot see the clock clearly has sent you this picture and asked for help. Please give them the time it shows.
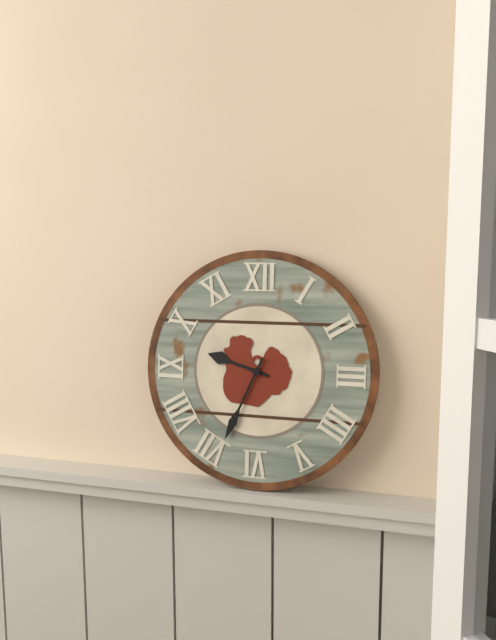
9:34
